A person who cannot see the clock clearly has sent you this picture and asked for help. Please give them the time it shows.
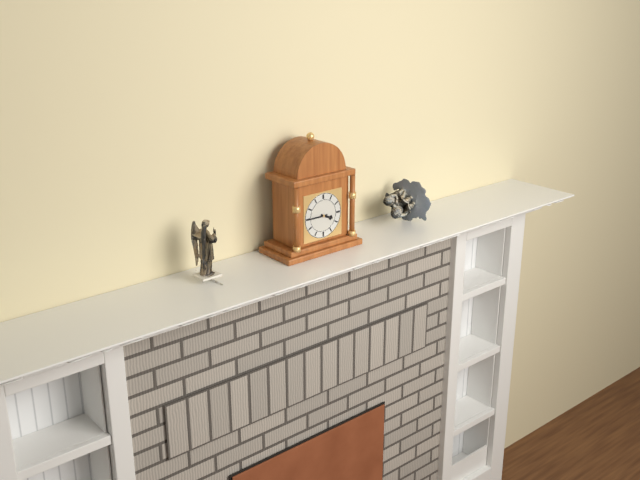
3:45
